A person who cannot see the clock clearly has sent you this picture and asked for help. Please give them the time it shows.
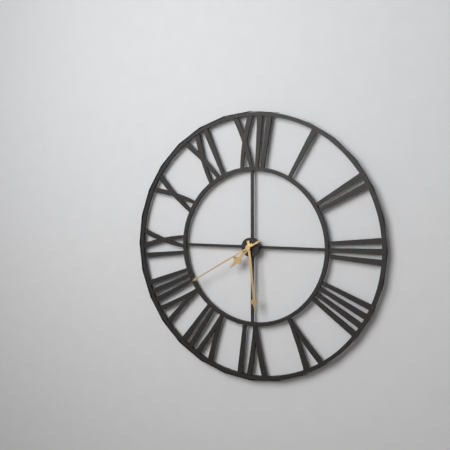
7:29:40
